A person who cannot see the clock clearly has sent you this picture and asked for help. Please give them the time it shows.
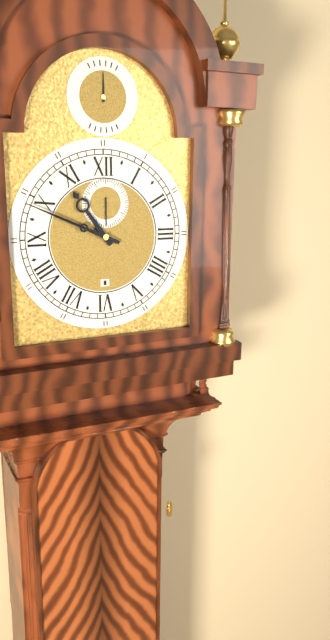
10:49
